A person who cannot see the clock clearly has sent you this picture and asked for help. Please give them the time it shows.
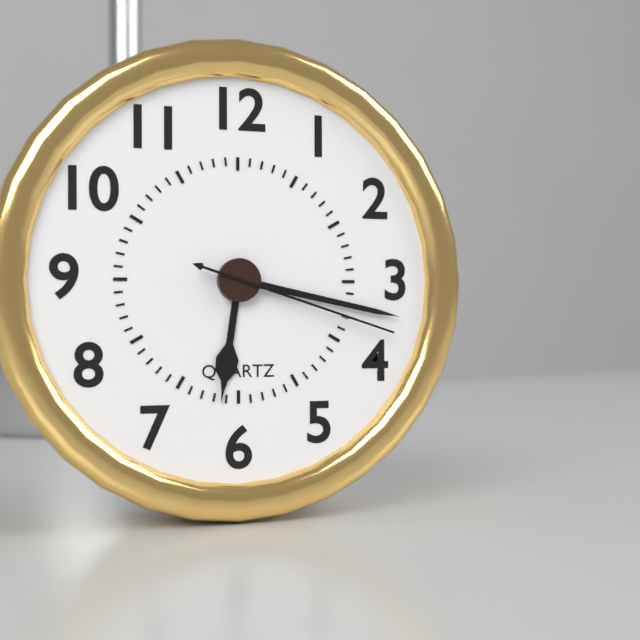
6:17:18
